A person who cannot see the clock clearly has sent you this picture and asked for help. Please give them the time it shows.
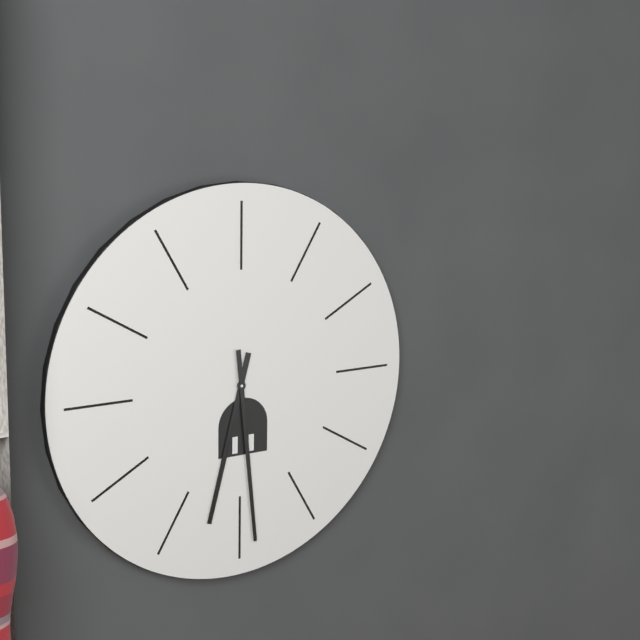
6:29
